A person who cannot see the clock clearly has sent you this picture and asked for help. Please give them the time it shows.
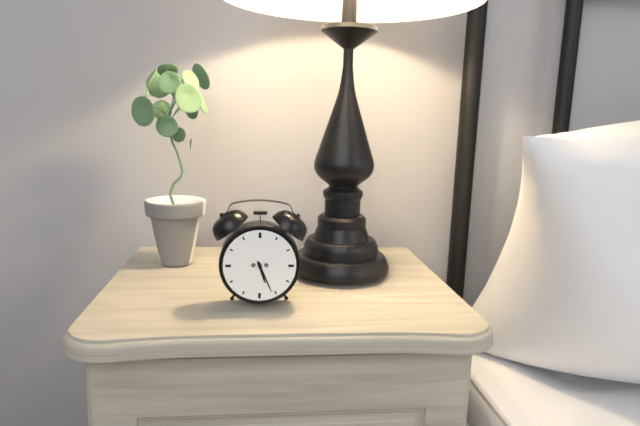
5:26
